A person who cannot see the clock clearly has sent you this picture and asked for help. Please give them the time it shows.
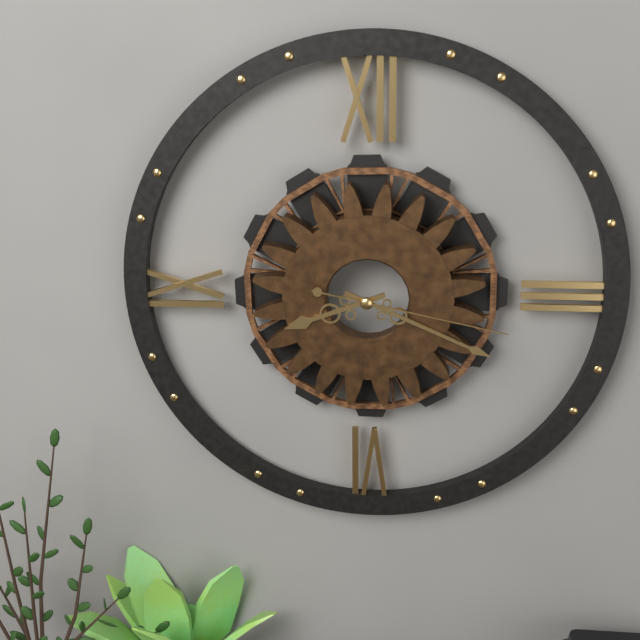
8:19:17
